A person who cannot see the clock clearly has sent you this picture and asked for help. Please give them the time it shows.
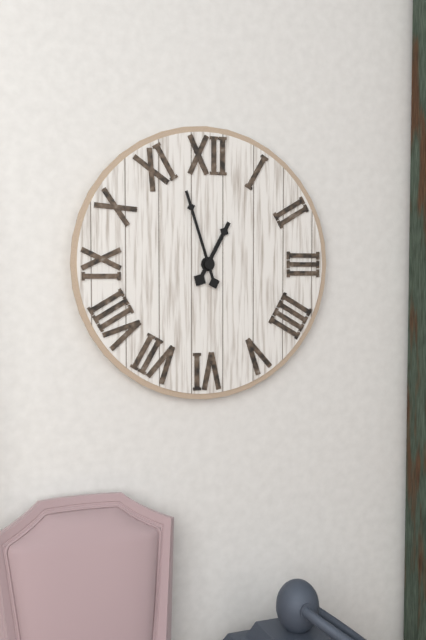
12:57
